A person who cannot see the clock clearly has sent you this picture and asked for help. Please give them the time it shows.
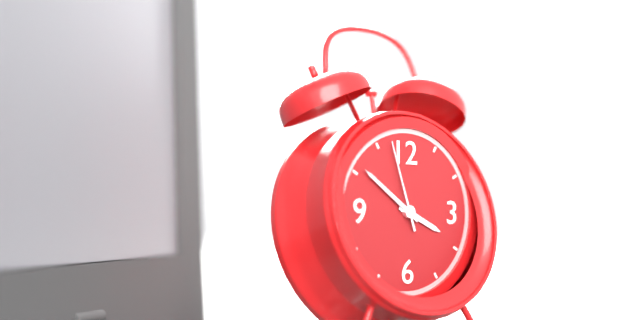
3:51:57
